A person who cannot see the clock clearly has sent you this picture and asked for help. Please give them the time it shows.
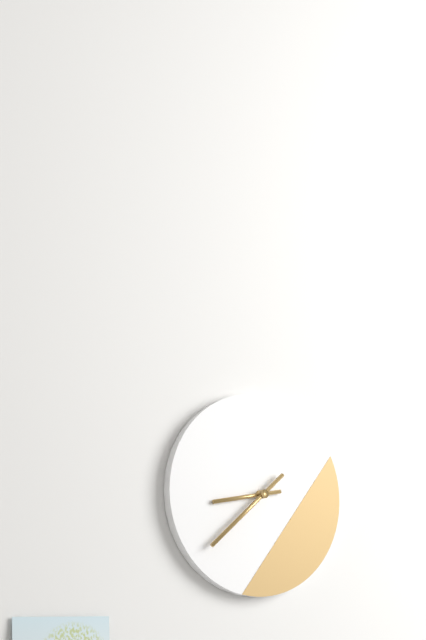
8:38
